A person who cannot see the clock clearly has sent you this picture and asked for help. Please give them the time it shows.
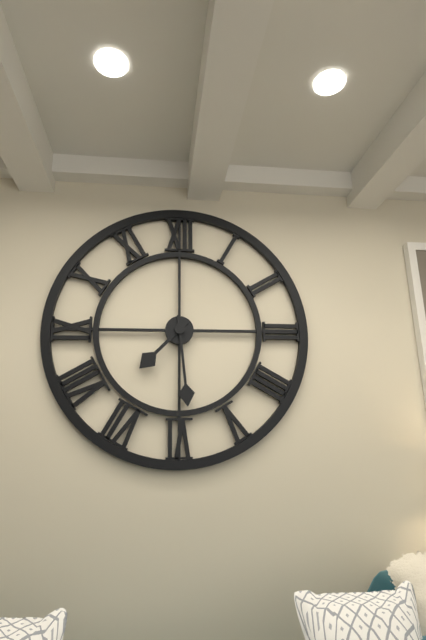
7:29
